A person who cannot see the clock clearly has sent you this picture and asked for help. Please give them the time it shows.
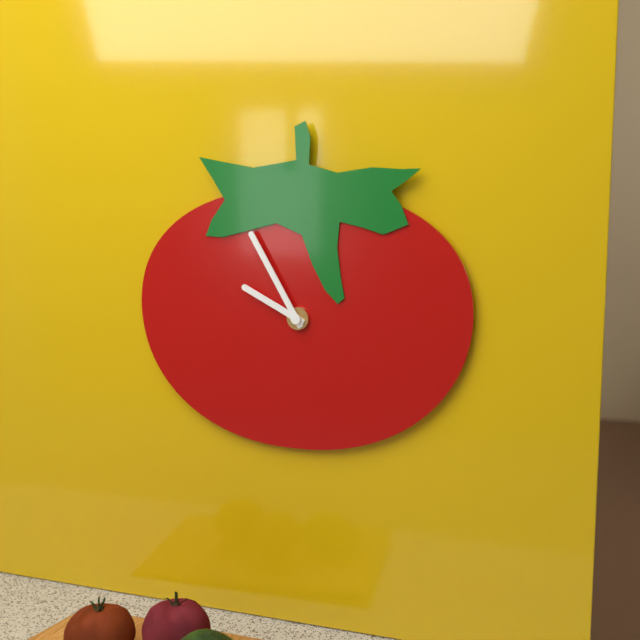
9:55
